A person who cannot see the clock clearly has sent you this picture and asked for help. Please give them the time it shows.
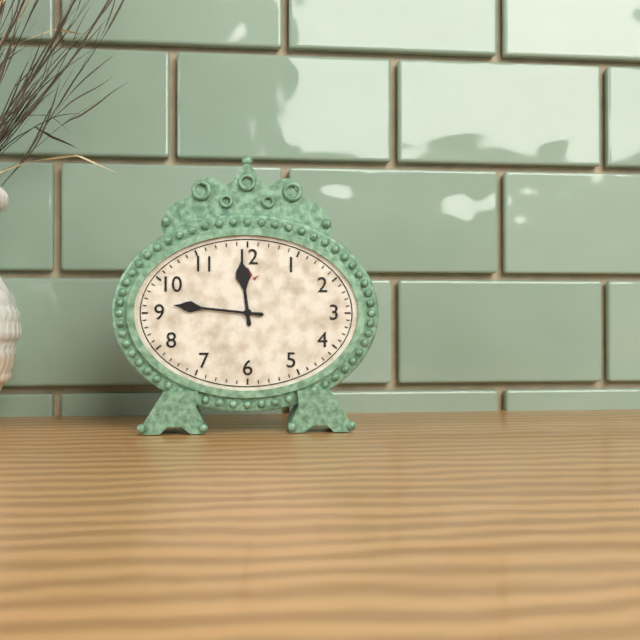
11:46
